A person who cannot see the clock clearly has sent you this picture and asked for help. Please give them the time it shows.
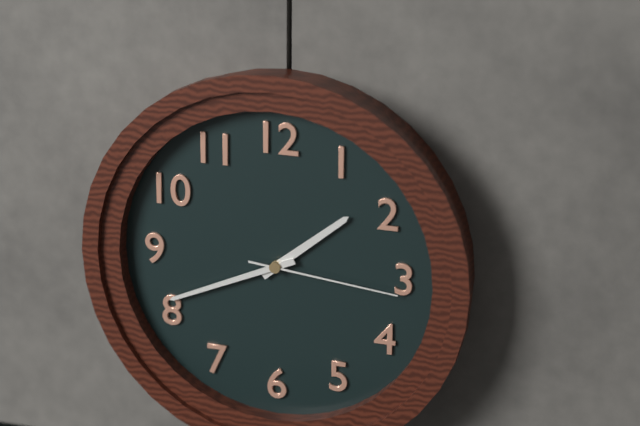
1:41:16
